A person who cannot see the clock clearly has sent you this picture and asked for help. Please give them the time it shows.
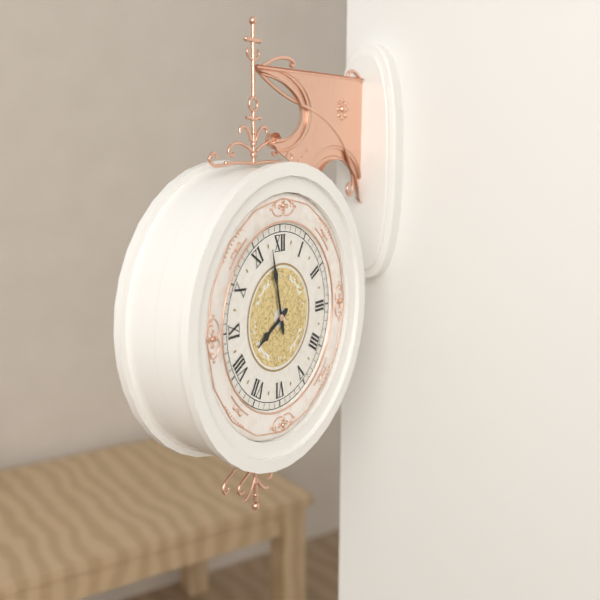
7:58
